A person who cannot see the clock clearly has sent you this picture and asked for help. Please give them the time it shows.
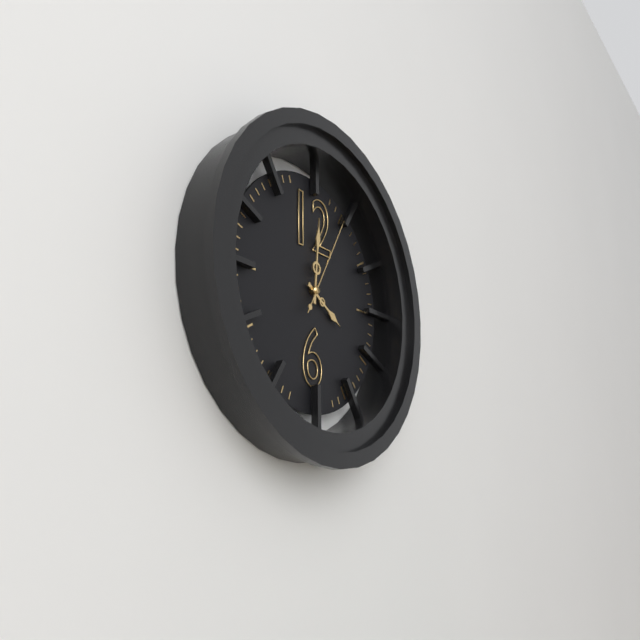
4:01:05
